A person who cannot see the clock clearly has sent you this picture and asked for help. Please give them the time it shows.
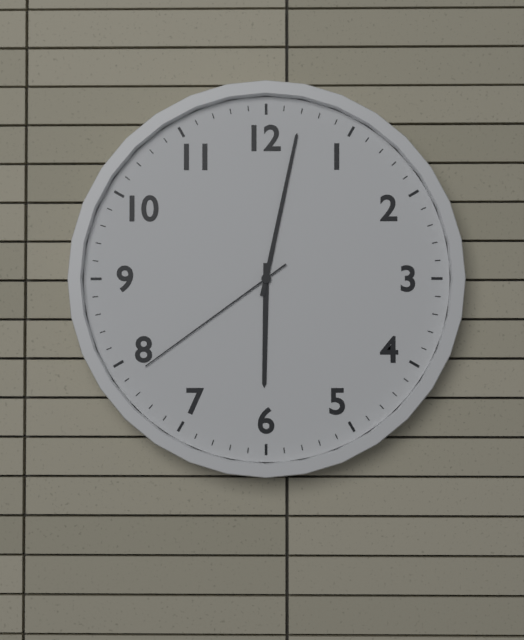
6:02:39
